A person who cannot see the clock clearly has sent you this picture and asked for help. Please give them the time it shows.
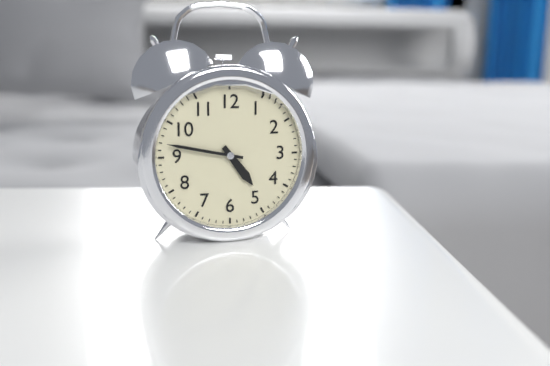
4:47
